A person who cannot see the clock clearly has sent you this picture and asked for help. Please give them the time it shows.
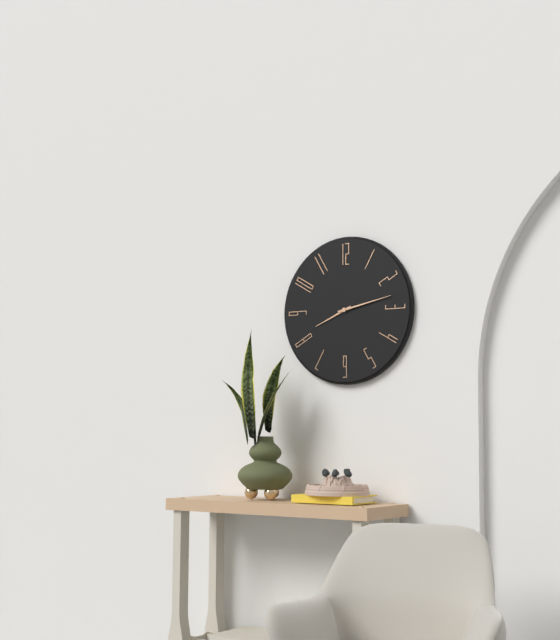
8:13
